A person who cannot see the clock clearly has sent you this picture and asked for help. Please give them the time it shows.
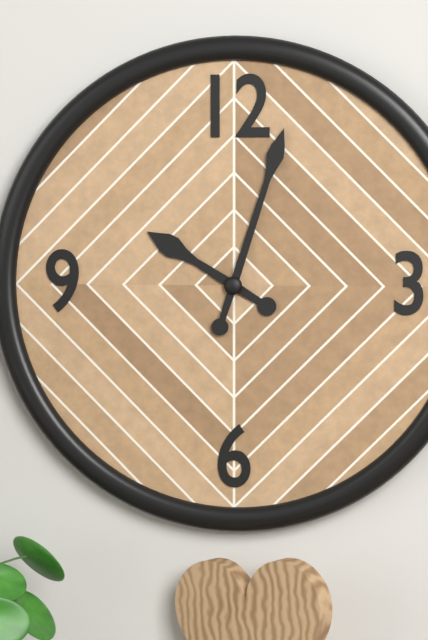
10:03
